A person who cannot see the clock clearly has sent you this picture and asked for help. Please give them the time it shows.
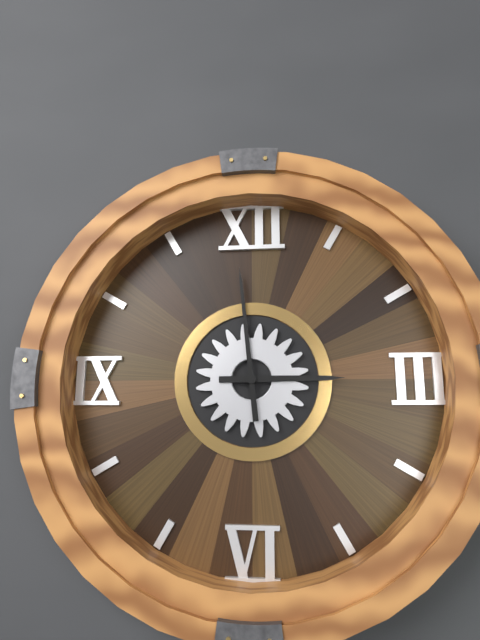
2:59
